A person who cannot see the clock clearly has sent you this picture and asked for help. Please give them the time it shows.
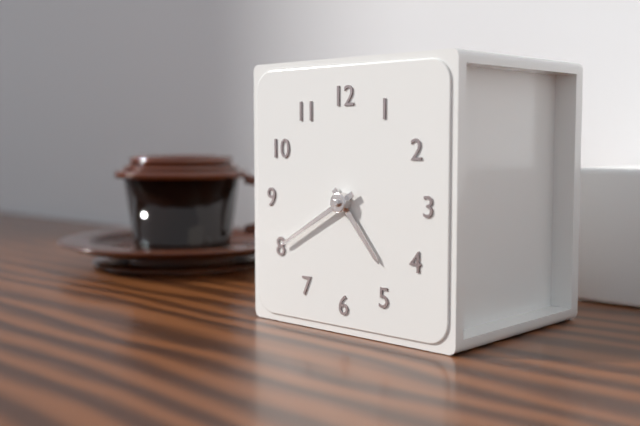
4:40
